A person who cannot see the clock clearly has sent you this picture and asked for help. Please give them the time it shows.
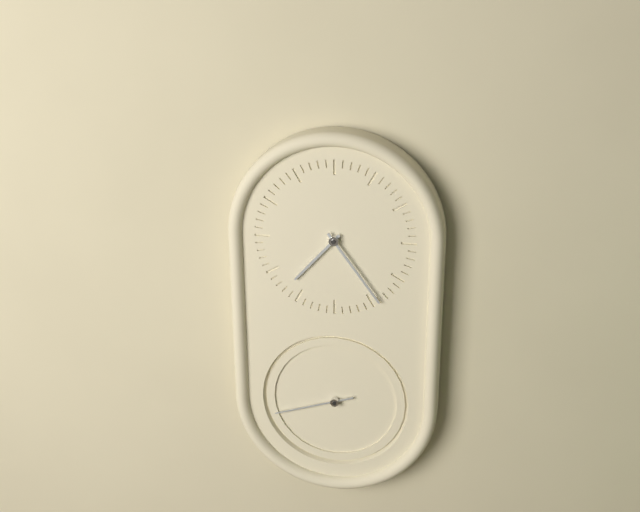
7:24:42
